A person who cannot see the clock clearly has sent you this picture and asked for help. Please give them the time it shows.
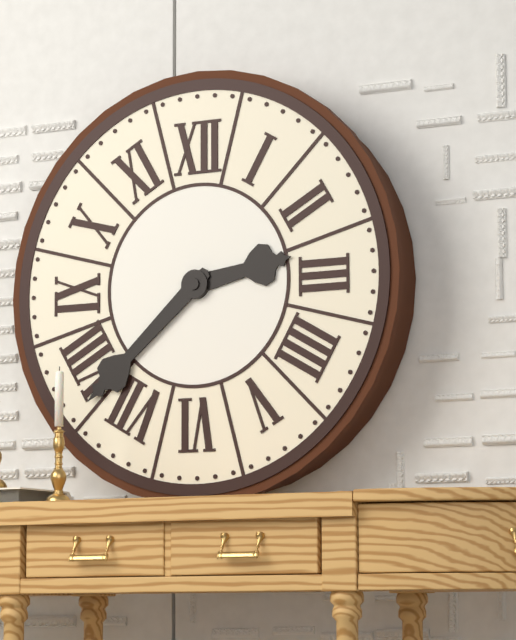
2:38
